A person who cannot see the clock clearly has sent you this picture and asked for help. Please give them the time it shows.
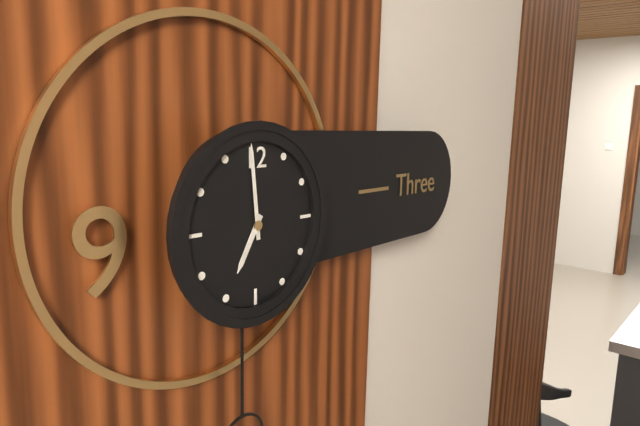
6:59
